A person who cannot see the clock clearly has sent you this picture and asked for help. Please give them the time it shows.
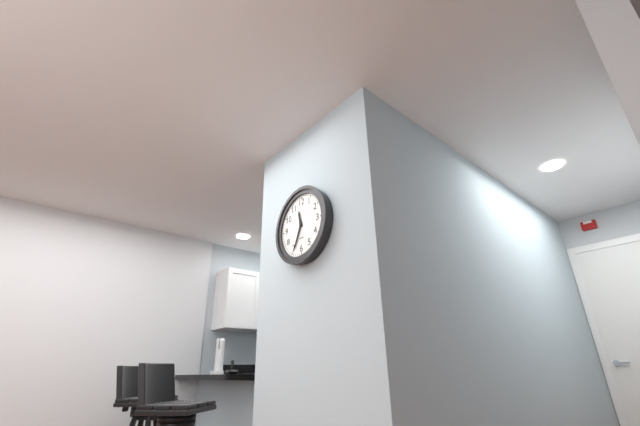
11:34
